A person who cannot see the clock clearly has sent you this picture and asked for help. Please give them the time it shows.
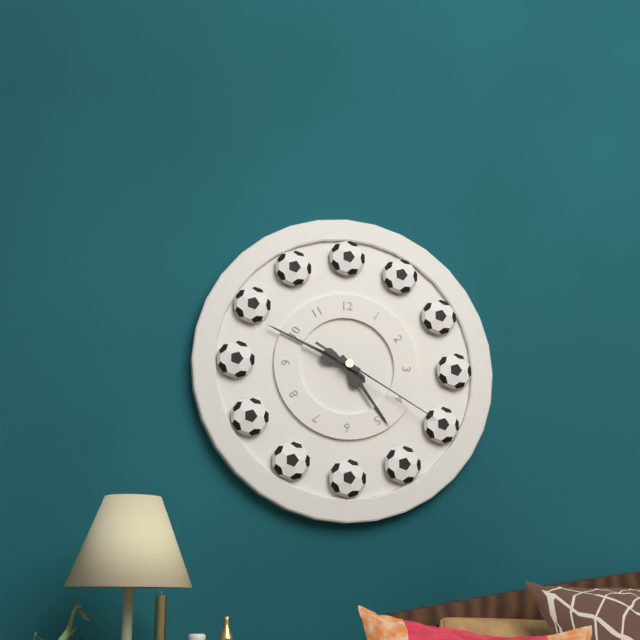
4:49:20
